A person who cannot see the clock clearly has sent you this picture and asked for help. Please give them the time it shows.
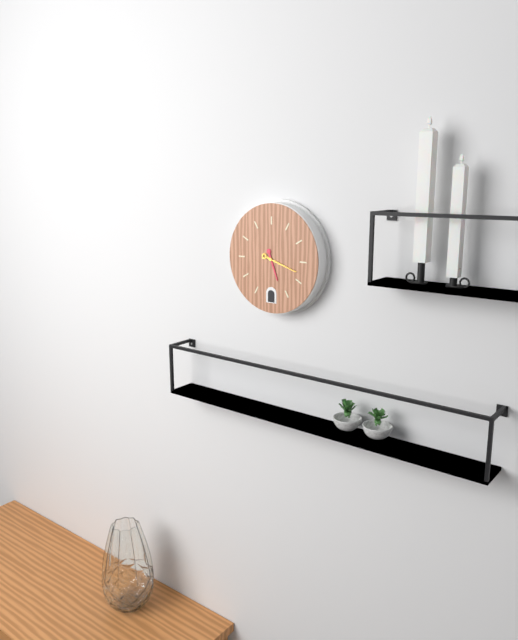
5:18
